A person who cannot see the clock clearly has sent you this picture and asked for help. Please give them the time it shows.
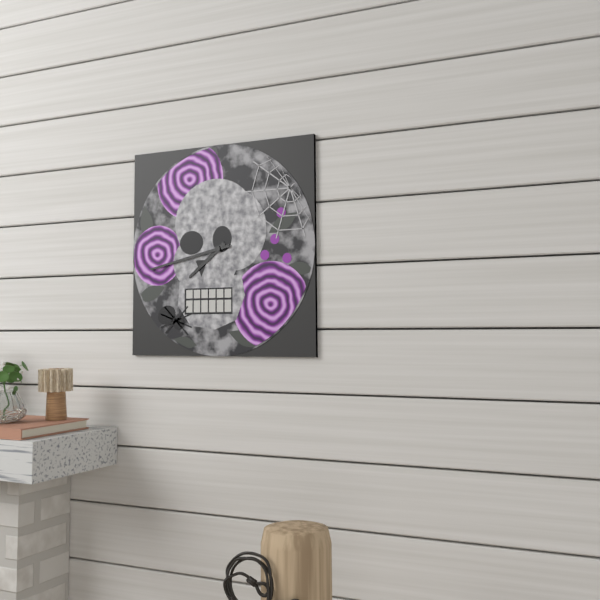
7:43
